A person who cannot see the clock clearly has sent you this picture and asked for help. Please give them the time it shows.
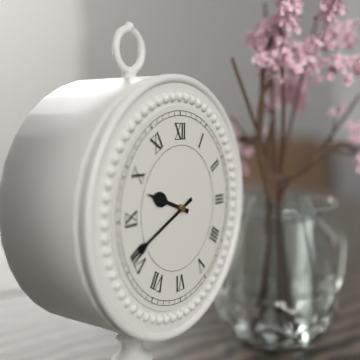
9:41
